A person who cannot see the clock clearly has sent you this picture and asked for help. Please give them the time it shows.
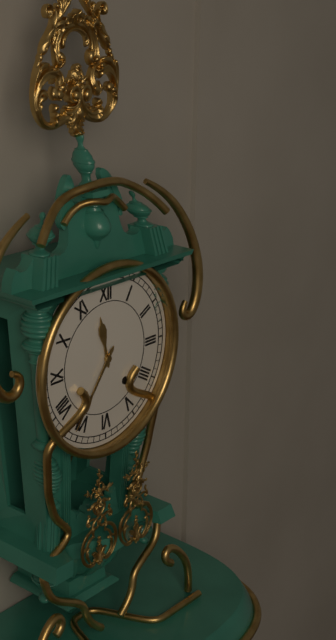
11:36
